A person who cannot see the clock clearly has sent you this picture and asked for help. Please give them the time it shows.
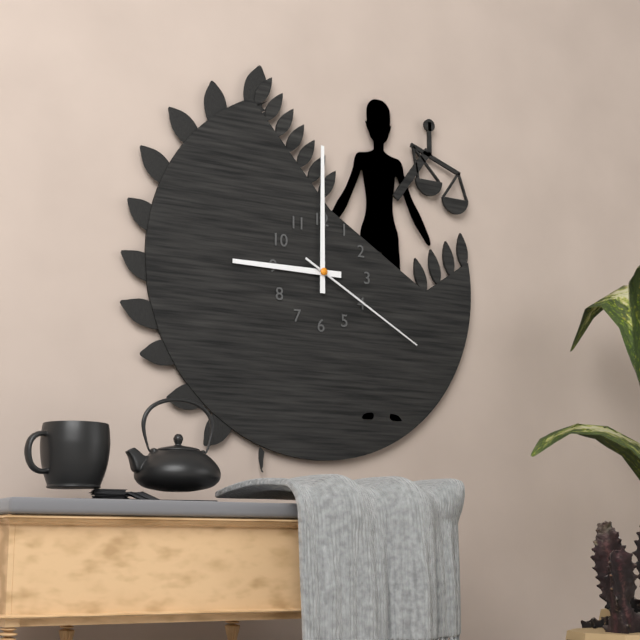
9:00:20
